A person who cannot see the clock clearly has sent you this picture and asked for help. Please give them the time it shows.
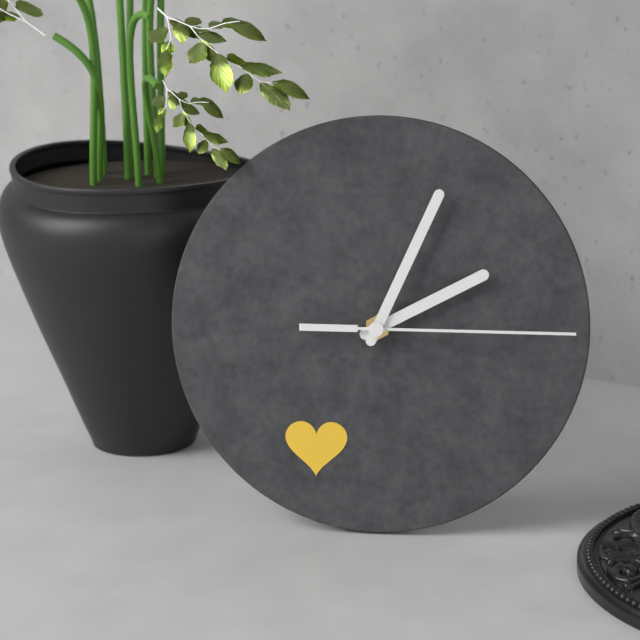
2:04:15
